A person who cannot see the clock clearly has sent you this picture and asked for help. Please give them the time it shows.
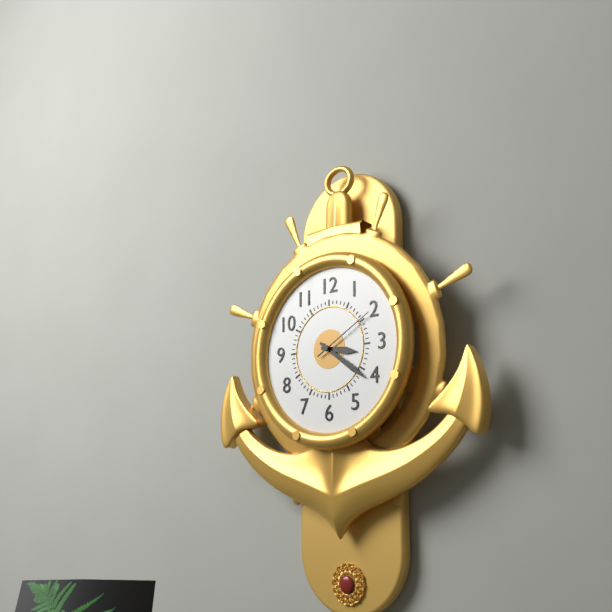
3:21:10
